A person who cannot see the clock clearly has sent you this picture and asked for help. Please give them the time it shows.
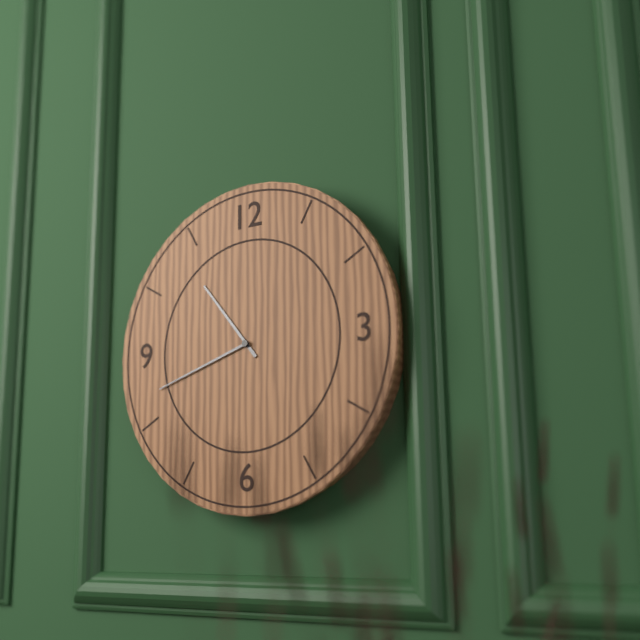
10:42
